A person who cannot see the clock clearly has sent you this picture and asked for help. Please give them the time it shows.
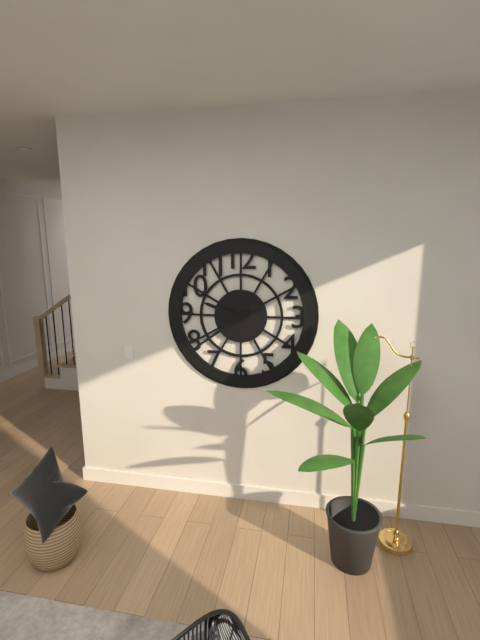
9:39
